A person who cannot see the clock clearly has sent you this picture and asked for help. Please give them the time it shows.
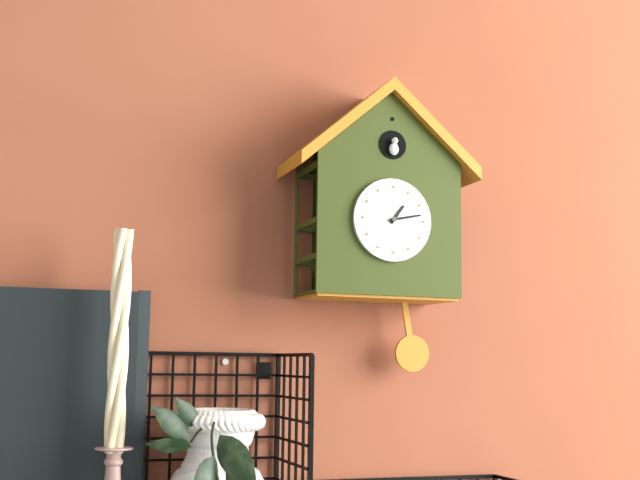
1:13
